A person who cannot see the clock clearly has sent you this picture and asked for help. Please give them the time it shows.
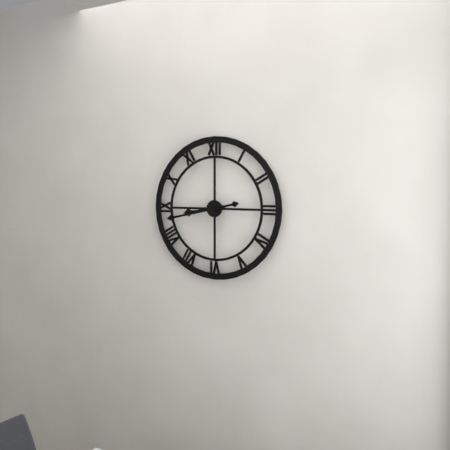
8:43
